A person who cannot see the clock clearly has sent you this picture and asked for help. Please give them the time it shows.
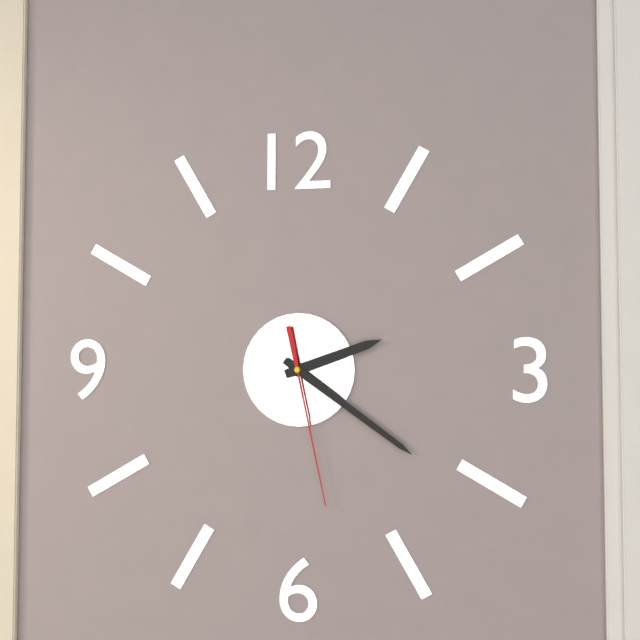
2:21:28
